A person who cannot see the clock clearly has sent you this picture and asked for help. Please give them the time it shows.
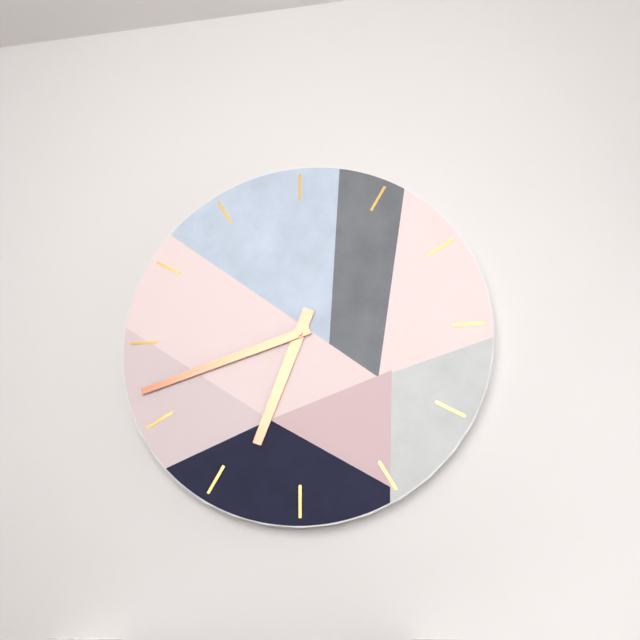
6:42
